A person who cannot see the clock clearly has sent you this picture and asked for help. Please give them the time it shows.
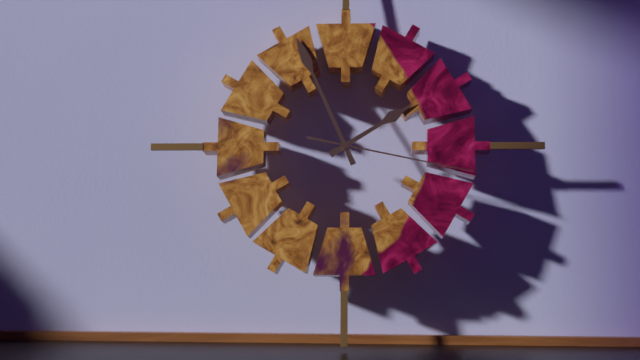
1:56:17
